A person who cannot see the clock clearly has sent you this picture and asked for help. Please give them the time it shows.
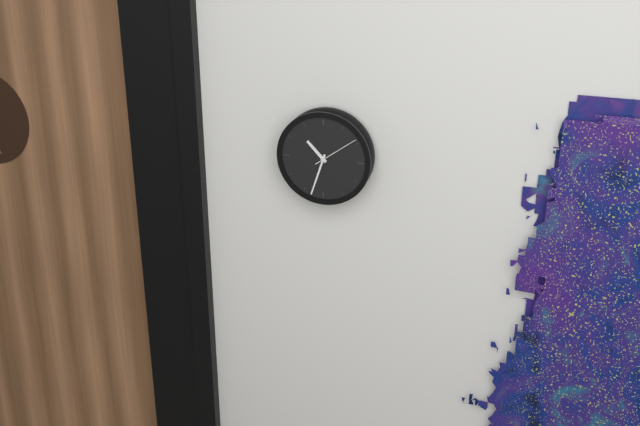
10:33
